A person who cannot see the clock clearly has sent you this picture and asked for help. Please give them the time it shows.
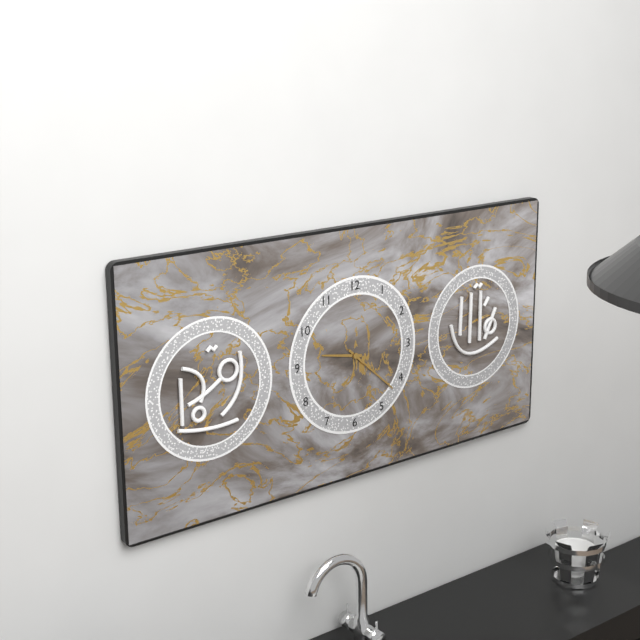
9:22
